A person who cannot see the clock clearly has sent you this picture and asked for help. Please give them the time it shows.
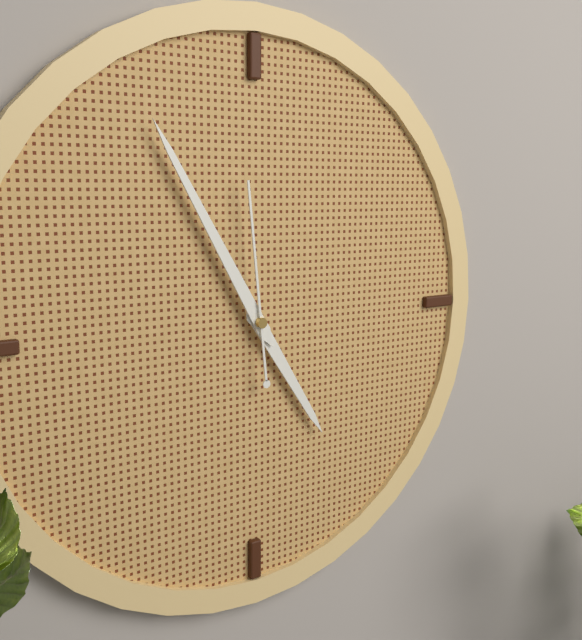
4:55:59
